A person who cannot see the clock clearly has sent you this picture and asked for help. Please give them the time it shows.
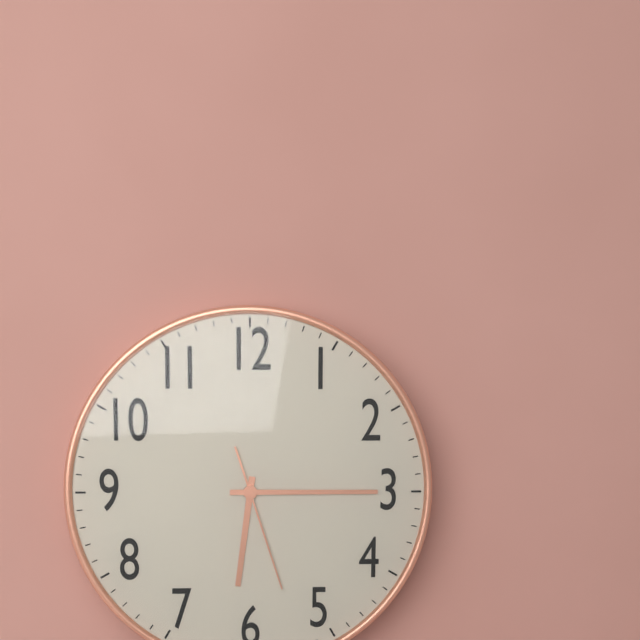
6:15:27
